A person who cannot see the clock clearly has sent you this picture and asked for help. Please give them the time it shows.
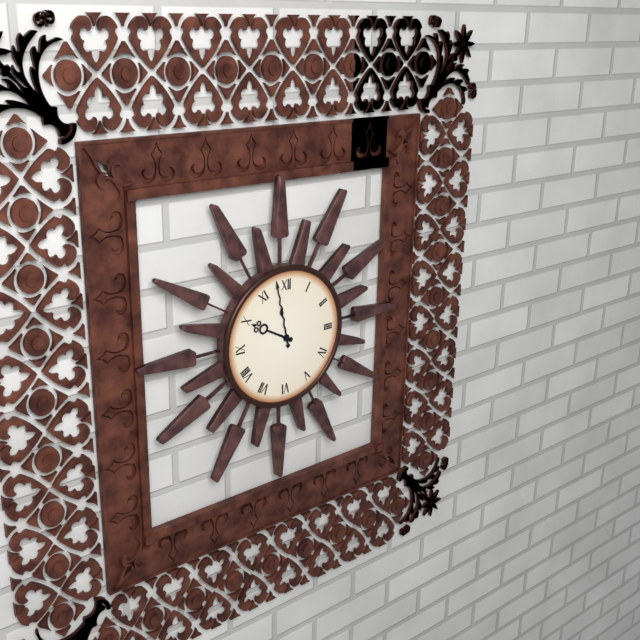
9:58
